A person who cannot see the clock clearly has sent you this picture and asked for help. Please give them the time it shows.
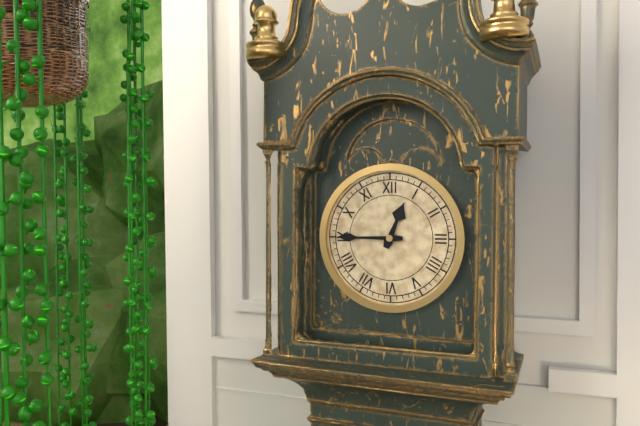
12:45
